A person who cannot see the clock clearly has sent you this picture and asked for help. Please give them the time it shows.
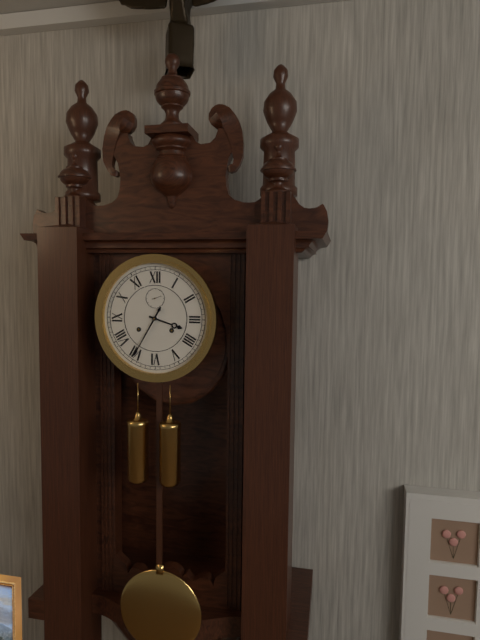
3:35
